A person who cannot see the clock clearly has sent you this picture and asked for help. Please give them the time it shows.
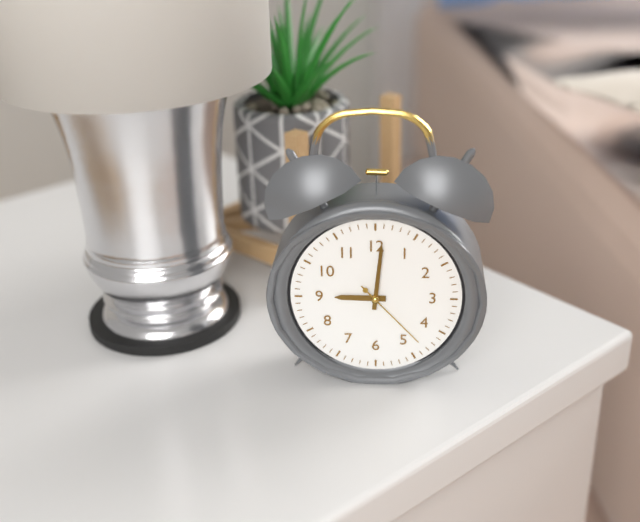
9:01:23
